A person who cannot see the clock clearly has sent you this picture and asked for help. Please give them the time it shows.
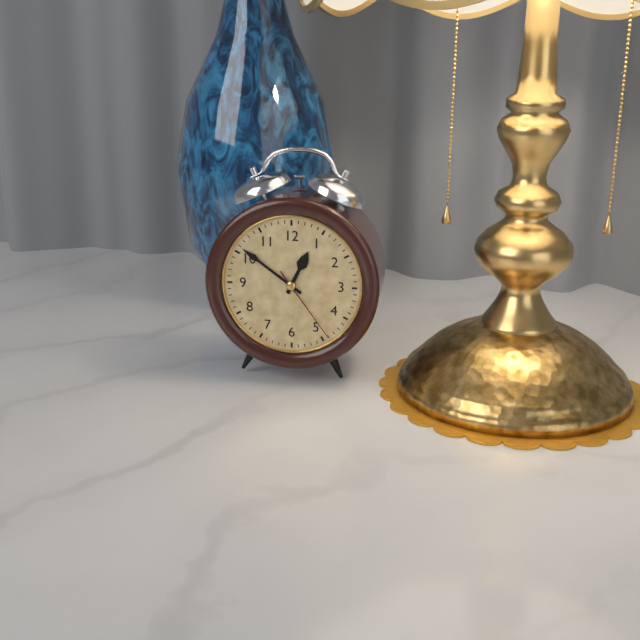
12:51:24
